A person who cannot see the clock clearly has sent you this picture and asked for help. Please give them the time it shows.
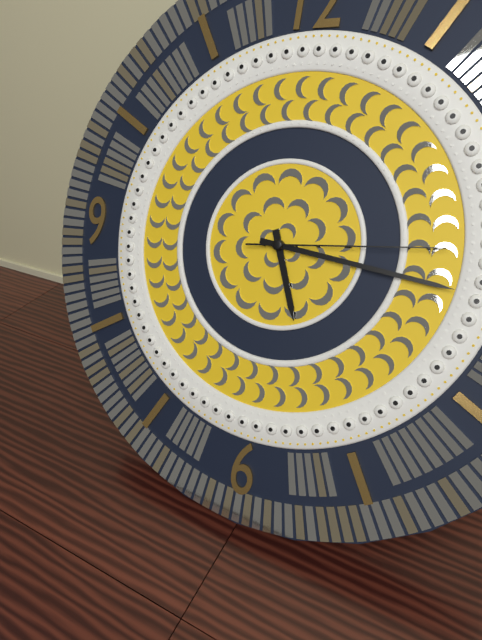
5:16:14
